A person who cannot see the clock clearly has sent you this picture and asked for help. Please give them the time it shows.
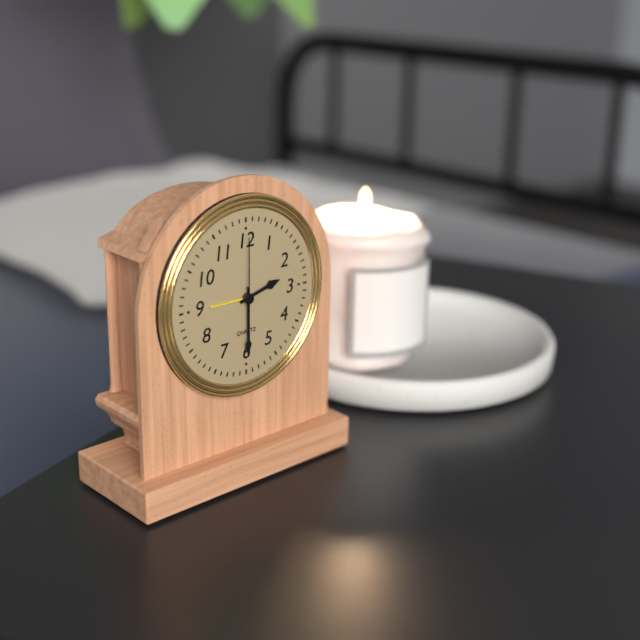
2:30:00
